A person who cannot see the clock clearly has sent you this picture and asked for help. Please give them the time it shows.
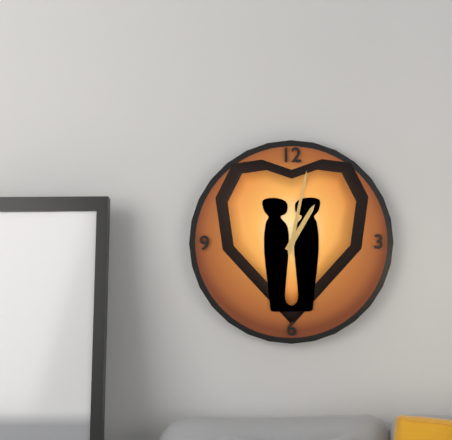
1:02
